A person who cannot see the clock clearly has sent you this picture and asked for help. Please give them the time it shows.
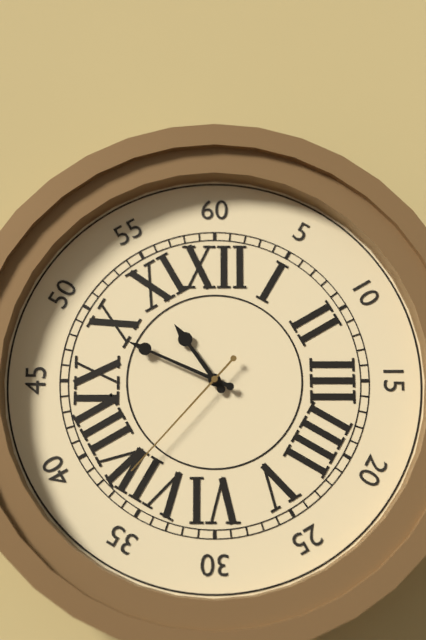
10:49:37
